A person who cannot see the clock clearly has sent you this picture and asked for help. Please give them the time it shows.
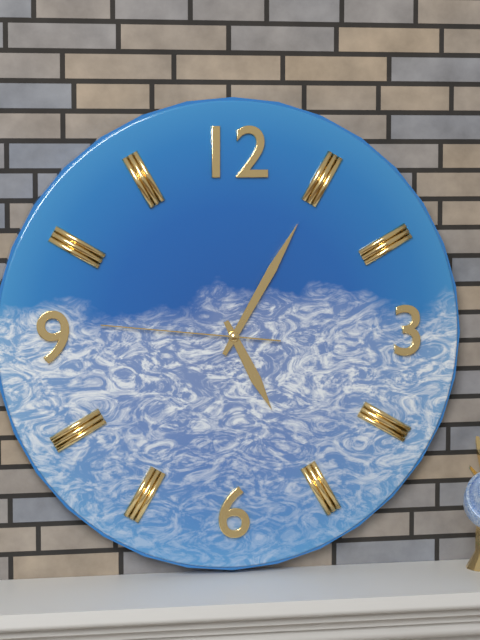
5:05:46
